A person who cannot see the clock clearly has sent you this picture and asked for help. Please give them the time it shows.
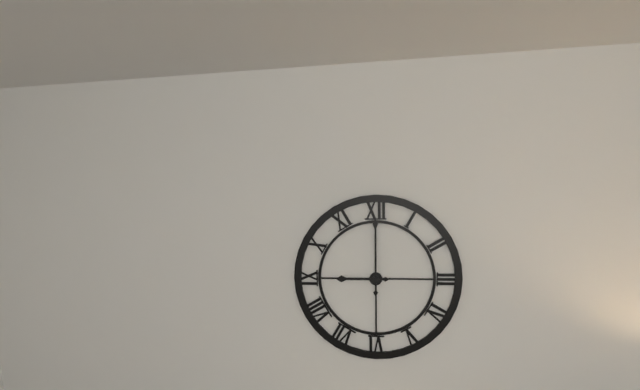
9:00
